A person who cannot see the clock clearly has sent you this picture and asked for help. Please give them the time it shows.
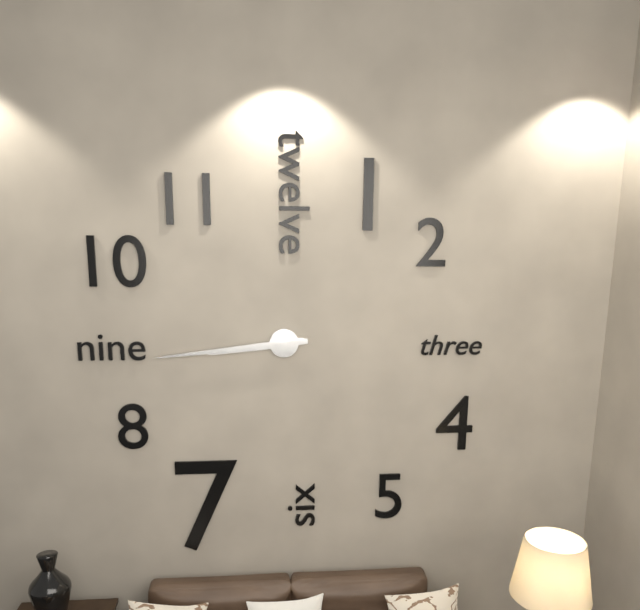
8:44
